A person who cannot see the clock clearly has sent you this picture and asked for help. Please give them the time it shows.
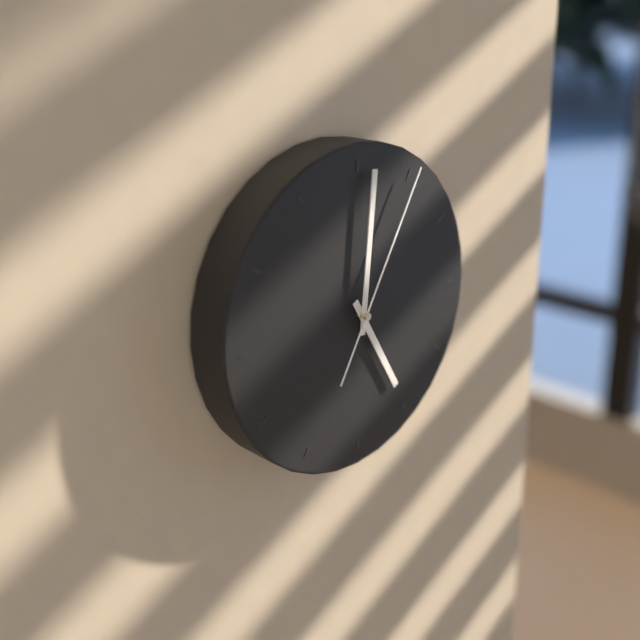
5:01:05
